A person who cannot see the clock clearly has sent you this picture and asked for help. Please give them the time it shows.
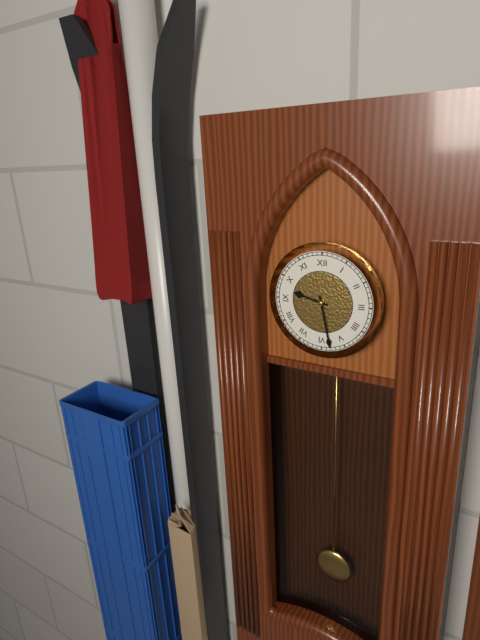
9:28
